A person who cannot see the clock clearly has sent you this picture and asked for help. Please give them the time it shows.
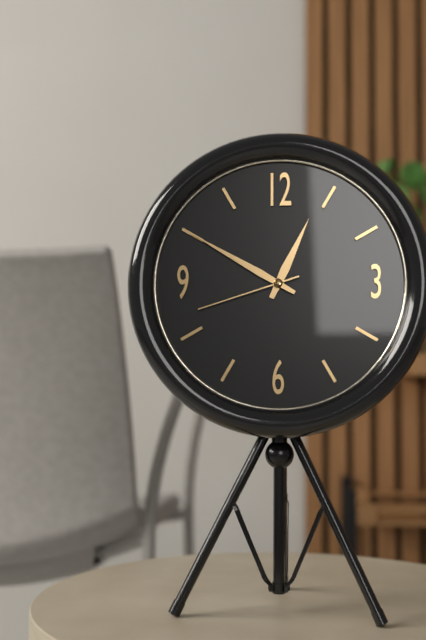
12:50:42
